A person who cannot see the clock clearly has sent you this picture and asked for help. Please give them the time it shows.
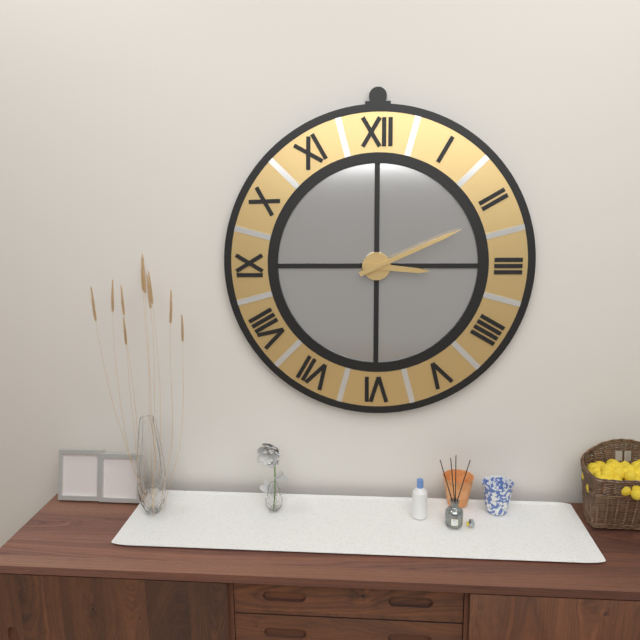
3:11
